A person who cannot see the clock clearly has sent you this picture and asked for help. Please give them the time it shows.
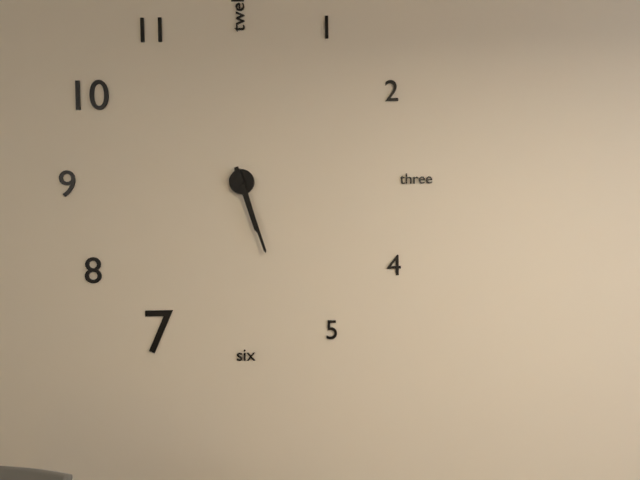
5:27
